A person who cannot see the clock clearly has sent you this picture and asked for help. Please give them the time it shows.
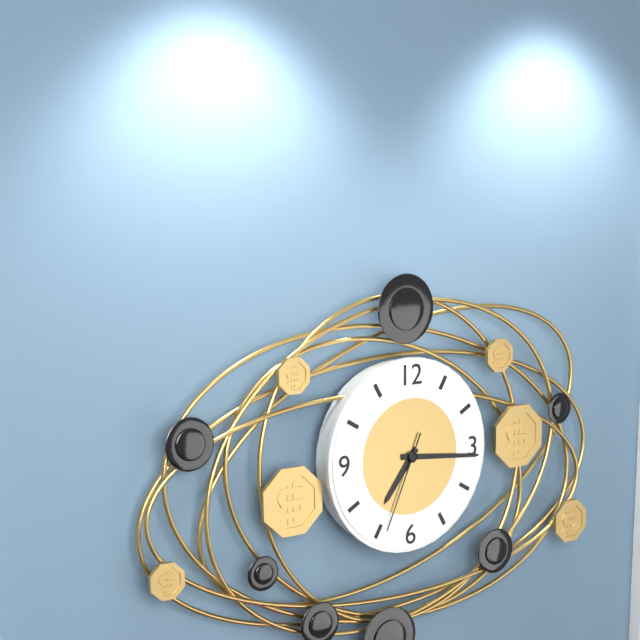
7:16:34
